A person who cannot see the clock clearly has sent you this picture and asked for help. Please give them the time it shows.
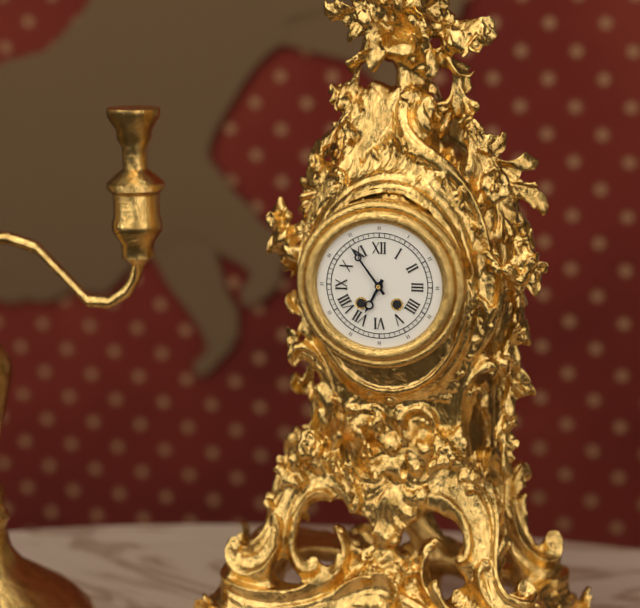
6:54
